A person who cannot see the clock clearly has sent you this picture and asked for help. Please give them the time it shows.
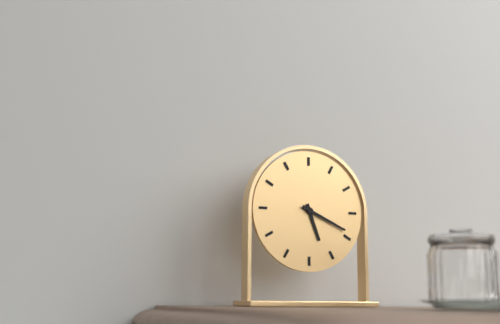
5:19
